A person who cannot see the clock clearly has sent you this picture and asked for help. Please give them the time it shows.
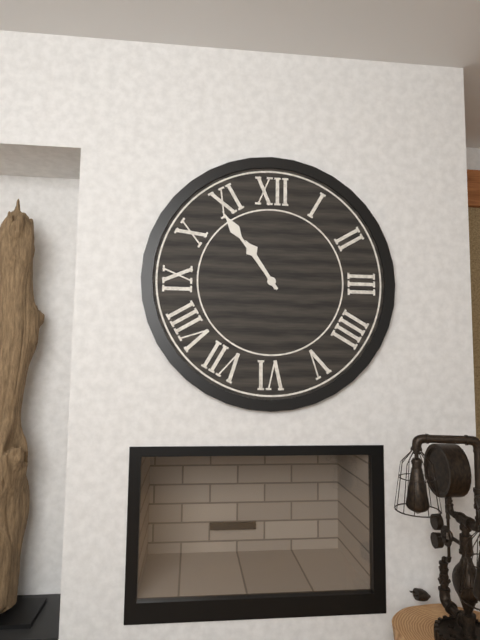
10:54
